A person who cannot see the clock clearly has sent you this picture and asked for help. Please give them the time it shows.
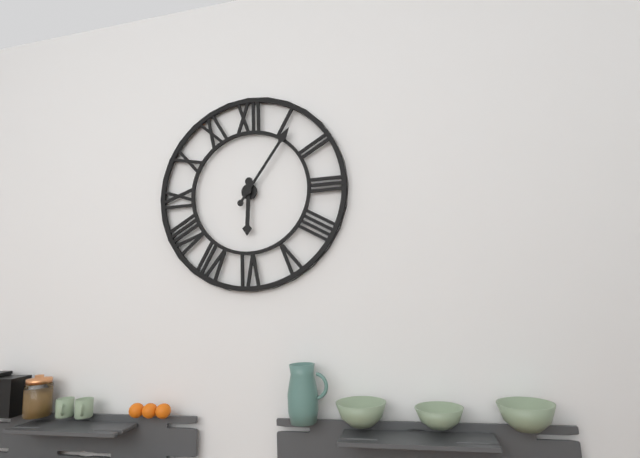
6:06
